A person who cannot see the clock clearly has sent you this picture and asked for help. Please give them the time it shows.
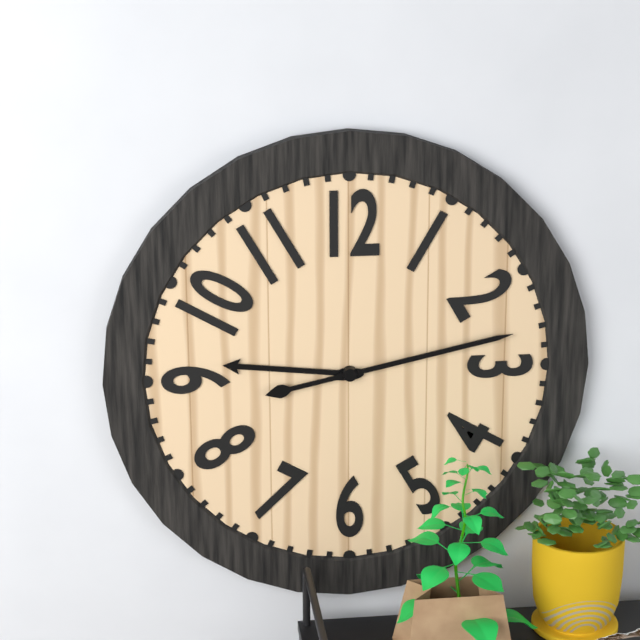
9:13
